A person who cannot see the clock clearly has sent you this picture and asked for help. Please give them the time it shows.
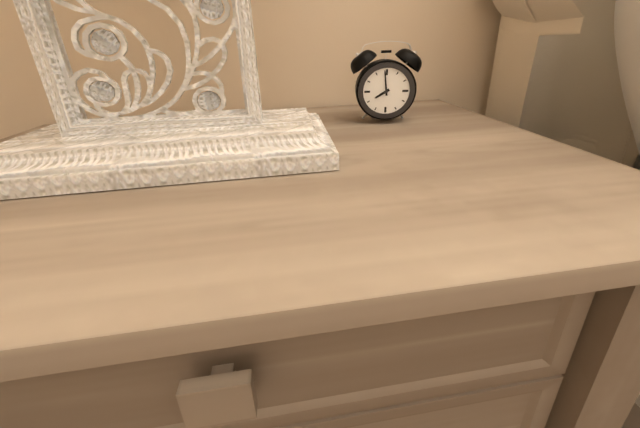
7:59
